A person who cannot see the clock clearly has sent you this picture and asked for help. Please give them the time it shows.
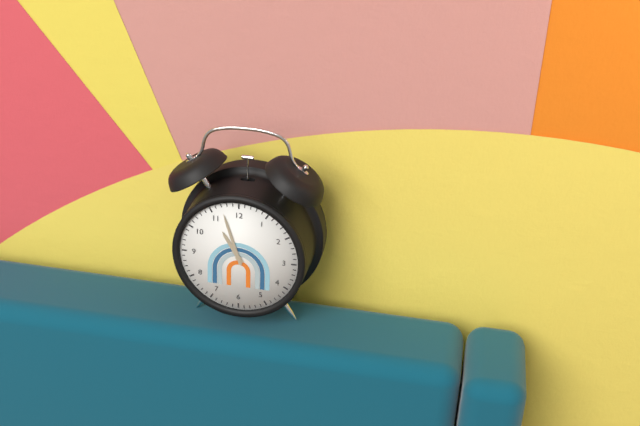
10:57
